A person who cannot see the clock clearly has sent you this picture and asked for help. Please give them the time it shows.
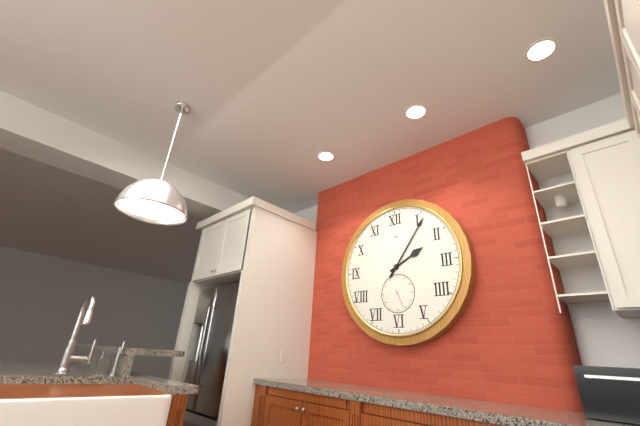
2:06
